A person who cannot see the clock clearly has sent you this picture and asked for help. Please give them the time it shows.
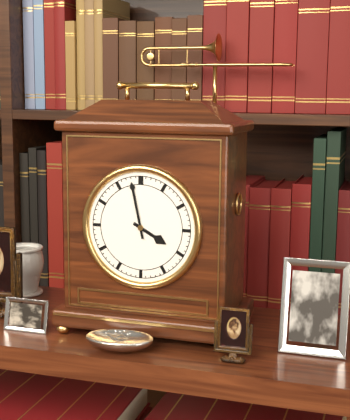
3:58
